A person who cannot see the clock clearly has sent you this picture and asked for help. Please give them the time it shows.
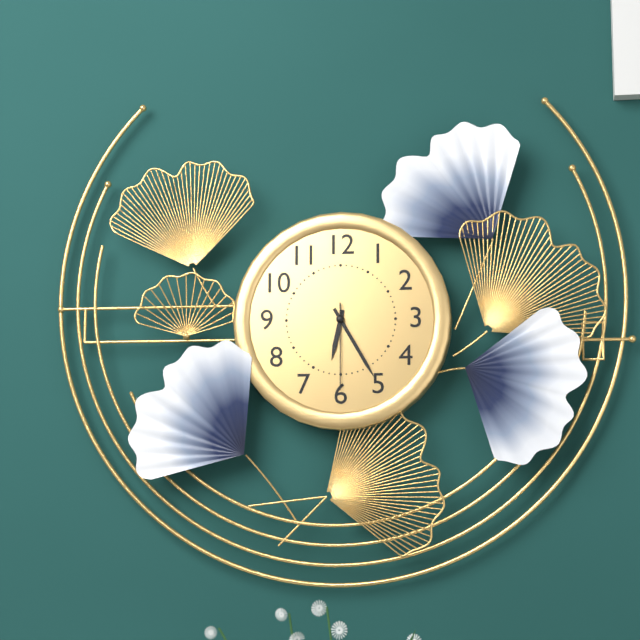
6:25:30
